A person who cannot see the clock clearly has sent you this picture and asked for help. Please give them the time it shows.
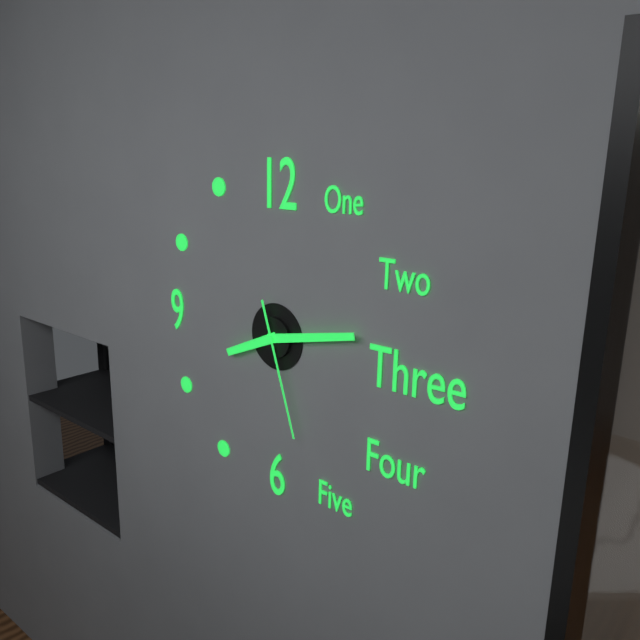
8:13:27
